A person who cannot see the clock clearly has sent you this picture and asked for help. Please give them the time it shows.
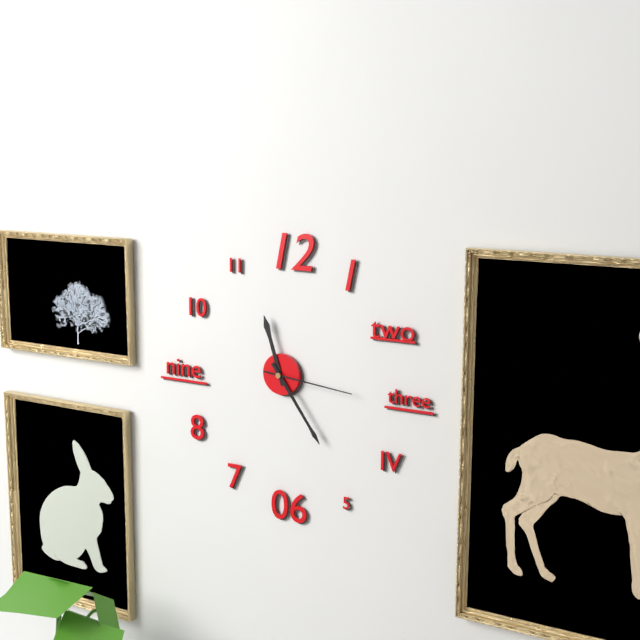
11:24:16
